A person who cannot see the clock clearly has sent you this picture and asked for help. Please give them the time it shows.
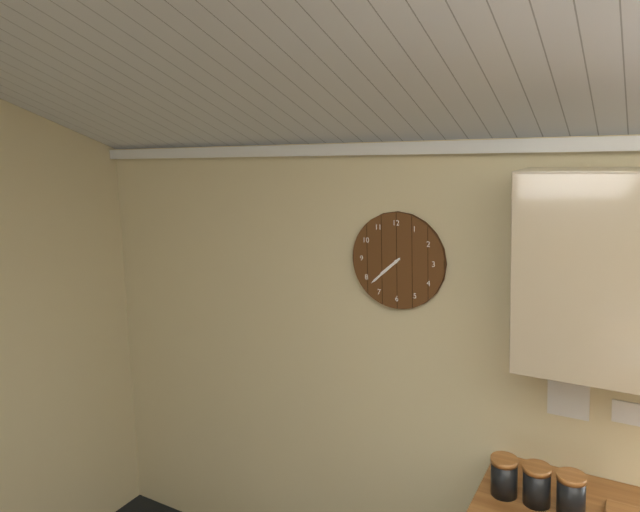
7:38
